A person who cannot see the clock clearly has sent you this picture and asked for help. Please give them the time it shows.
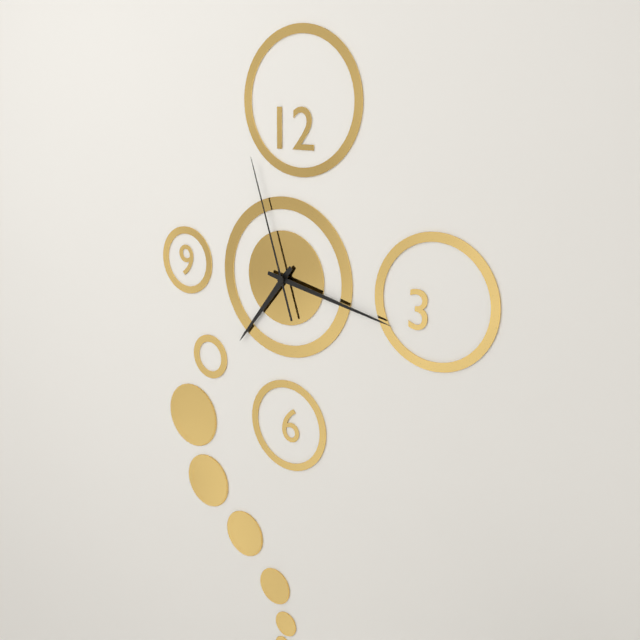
7:17:57
